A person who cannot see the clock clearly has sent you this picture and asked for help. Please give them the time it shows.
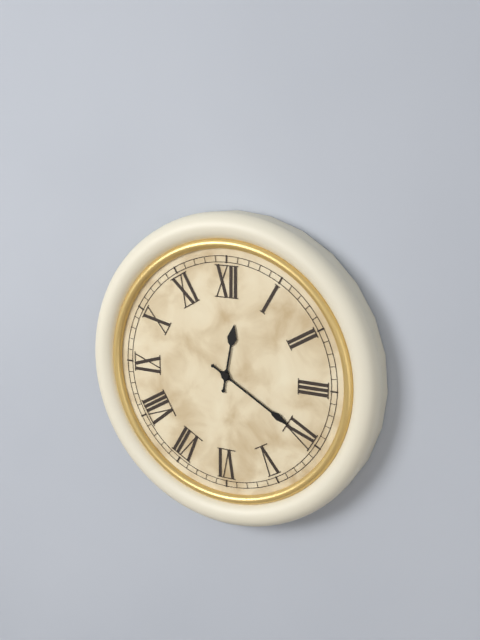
12:20
